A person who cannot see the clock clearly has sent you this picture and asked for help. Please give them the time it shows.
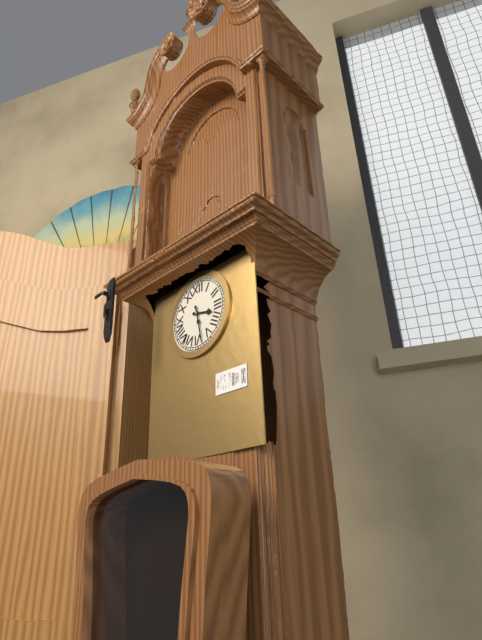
3:28
